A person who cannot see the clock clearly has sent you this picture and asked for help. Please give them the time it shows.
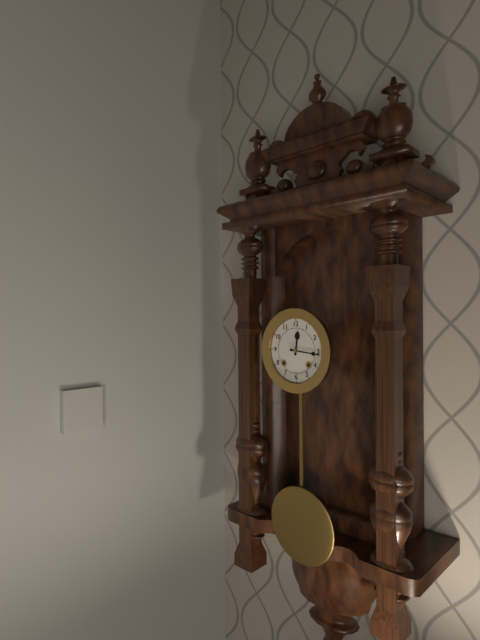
12:16
